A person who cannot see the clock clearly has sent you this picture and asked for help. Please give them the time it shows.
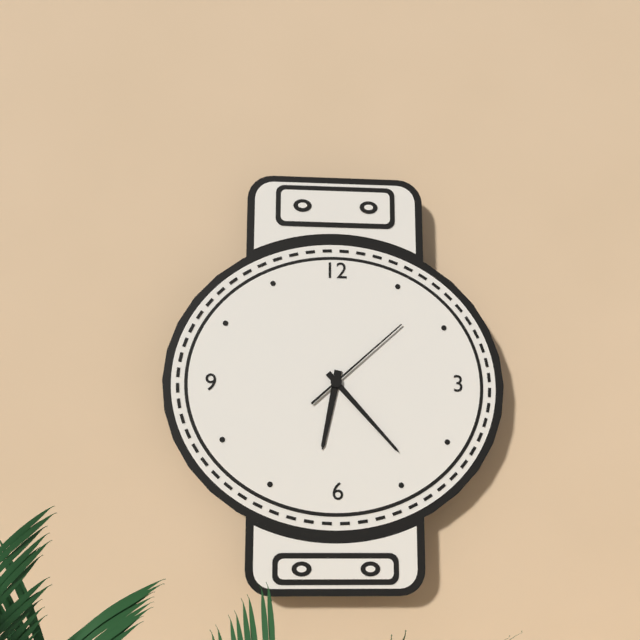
6:23:08
